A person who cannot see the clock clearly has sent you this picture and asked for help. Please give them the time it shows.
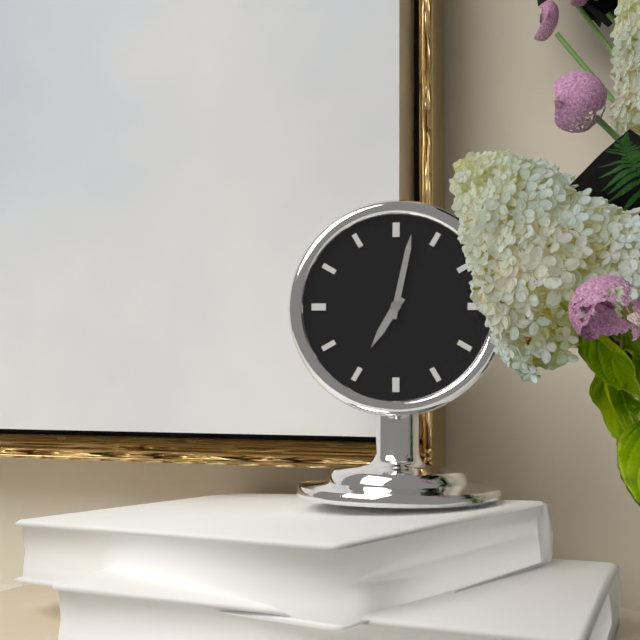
7:02
